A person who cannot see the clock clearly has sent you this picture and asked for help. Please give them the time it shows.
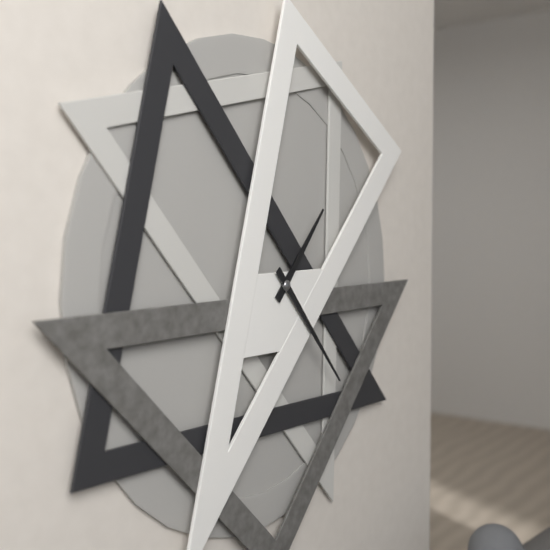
1:23
